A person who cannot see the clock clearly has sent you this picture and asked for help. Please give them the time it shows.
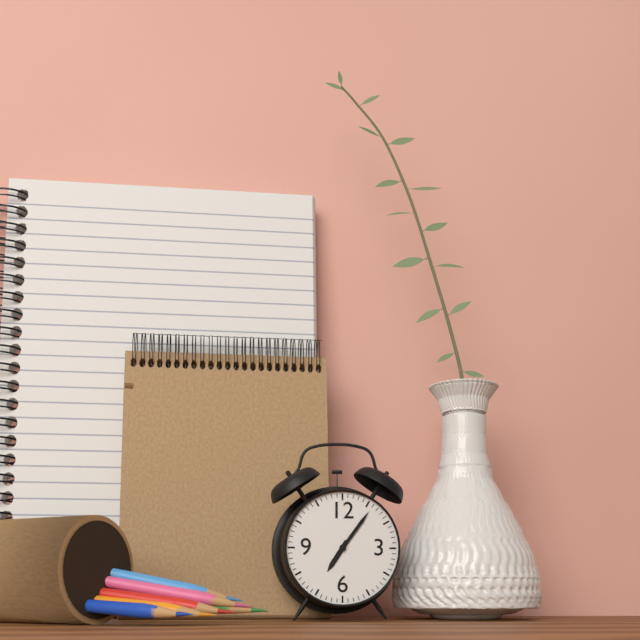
7:06
